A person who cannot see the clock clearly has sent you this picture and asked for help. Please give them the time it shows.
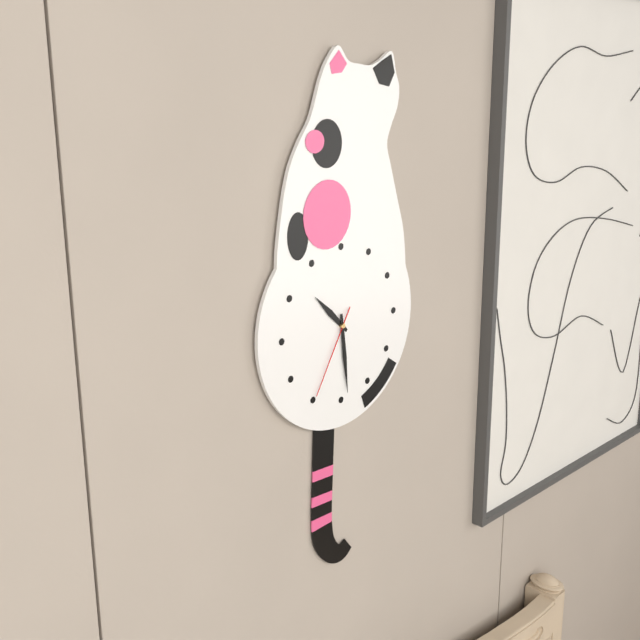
10:29:35
